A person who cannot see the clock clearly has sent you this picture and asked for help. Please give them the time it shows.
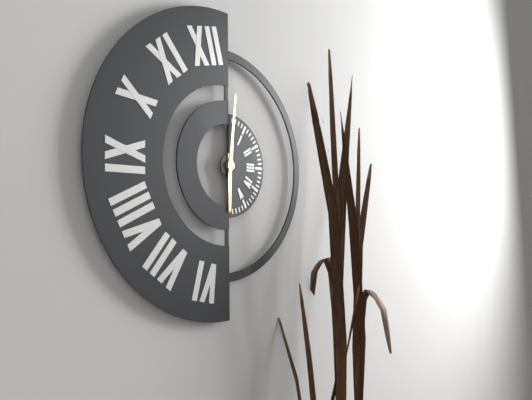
6:01
